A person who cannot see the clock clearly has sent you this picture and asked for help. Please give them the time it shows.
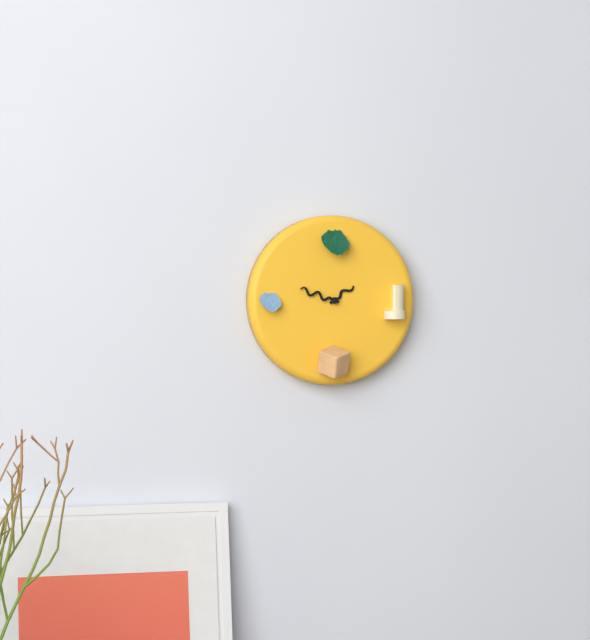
1:48
